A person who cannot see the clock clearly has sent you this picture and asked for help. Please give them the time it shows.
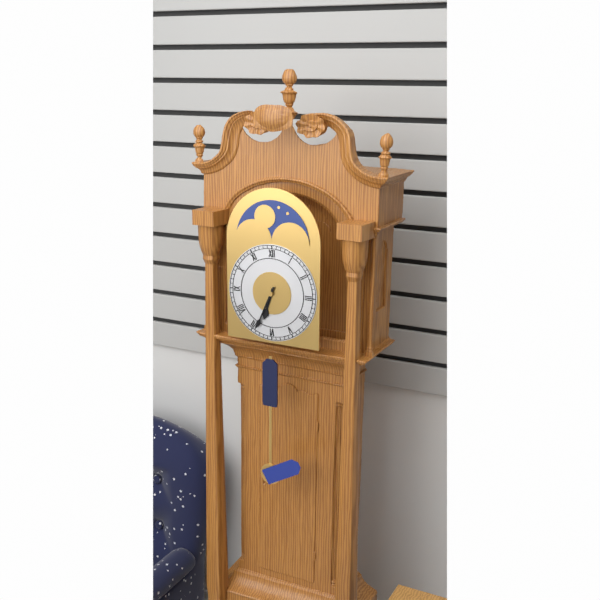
6:34
